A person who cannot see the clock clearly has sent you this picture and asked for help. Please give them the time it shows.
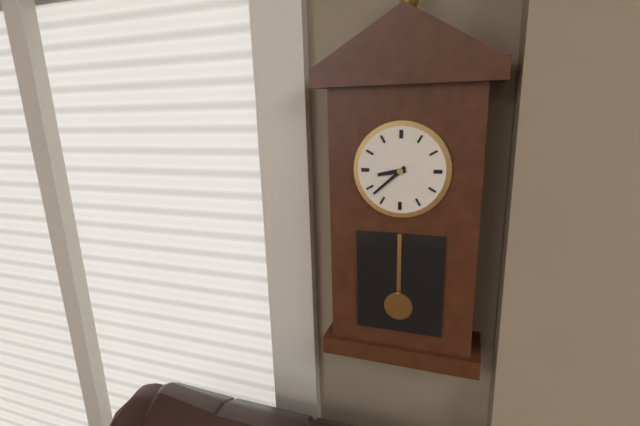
8:38
